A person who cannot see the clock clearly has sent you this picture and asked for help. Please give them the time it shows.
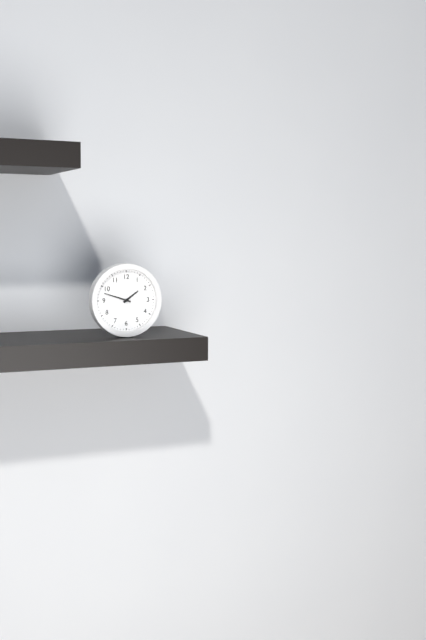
1:48
